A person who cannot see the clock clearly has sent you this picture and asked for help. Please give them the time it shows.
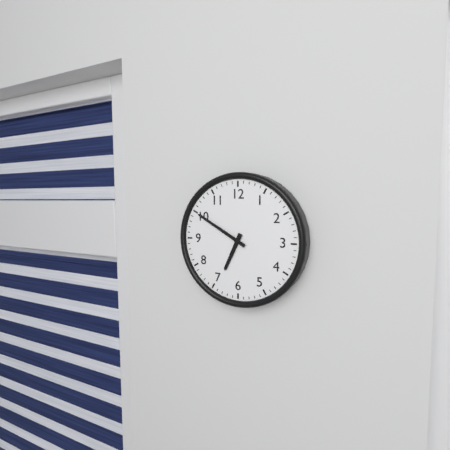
6:50
